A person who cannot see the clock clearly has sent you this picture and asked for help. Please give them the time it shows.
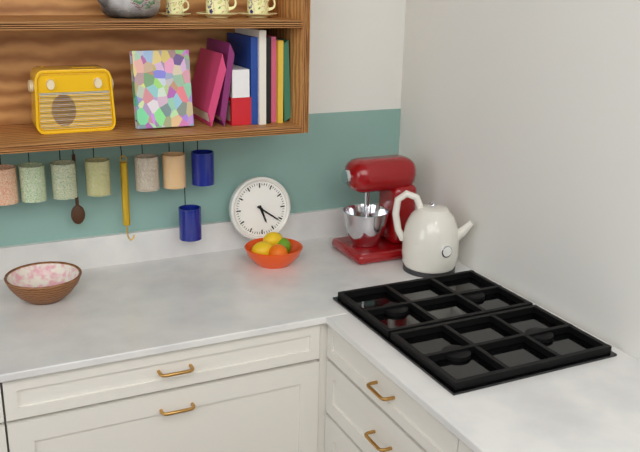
5:21
